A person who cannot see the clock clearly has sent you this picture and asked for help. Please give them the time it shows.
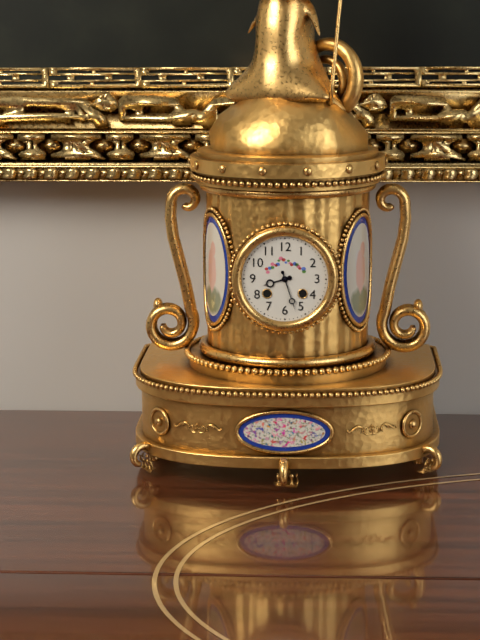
8:27
